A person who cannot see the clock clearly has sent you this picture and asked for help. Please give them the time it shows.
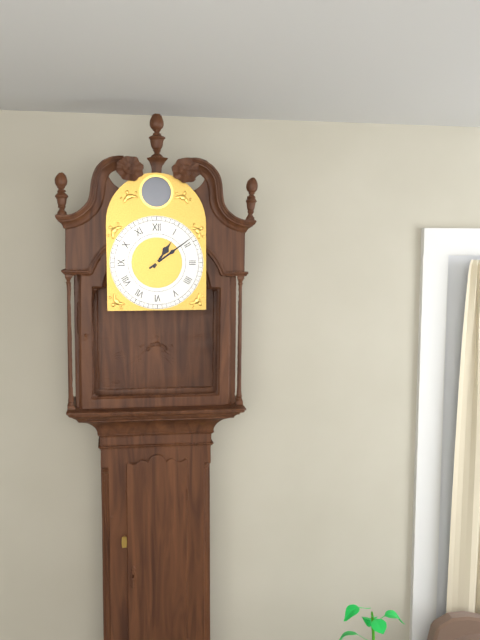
1:09
